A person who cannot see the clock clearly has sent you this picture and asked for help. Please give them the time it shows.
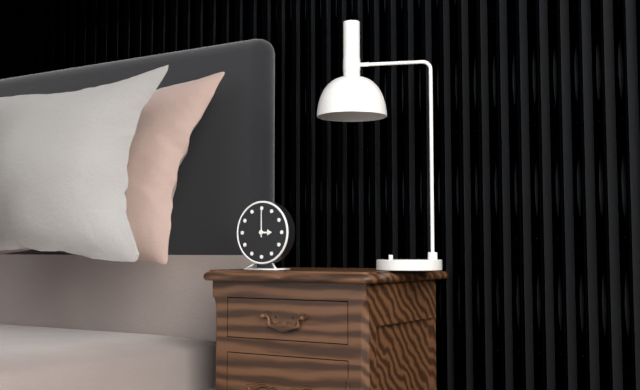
3:00
